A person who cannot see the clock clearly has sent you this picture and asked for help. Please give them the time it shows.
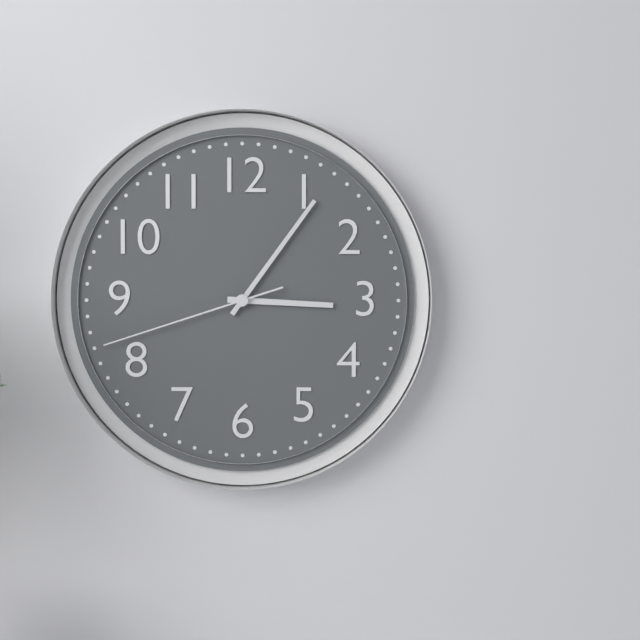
3:06:42
